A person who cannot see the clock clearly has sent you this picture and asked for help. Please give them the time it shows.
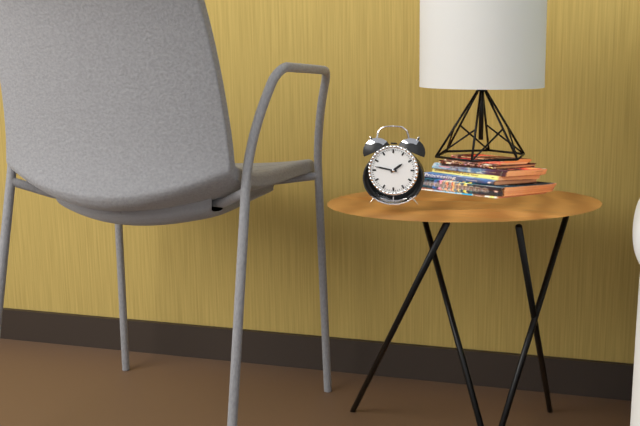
1:47
